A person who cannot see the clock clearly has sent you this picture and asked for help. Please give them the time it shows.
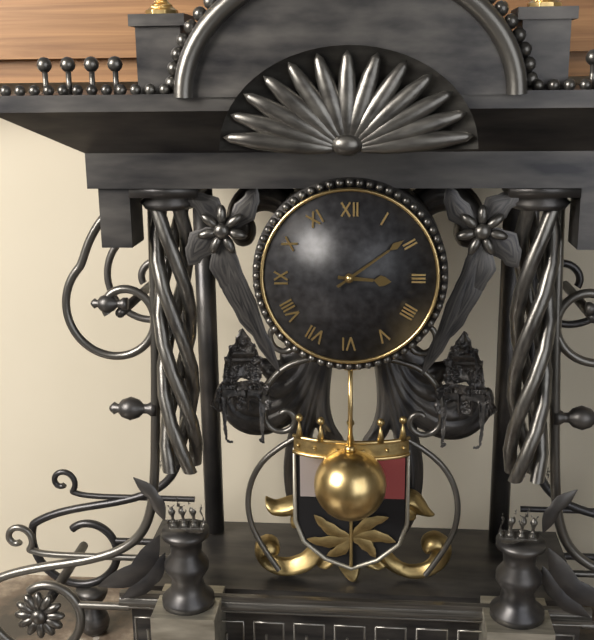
3:09
